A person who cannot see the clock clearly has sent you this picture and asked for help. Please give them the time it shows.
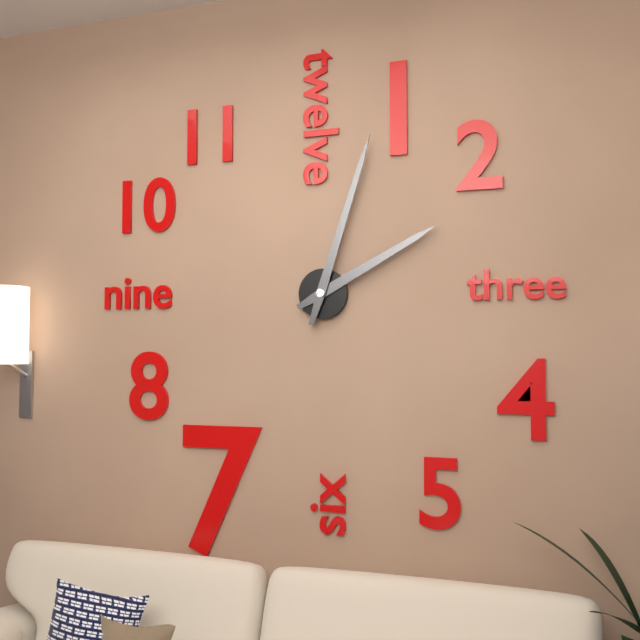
2:03
